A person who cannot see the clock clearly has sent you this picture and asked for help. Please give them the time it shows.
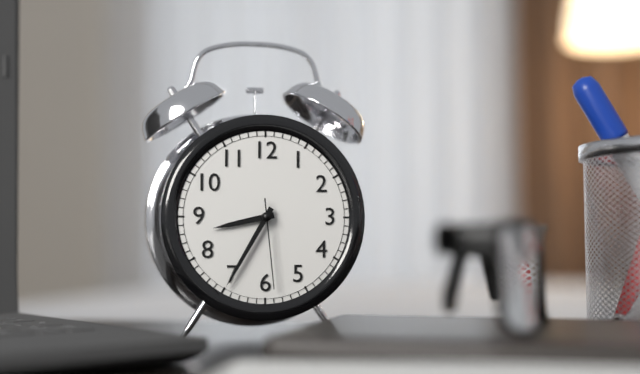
8:35:29
